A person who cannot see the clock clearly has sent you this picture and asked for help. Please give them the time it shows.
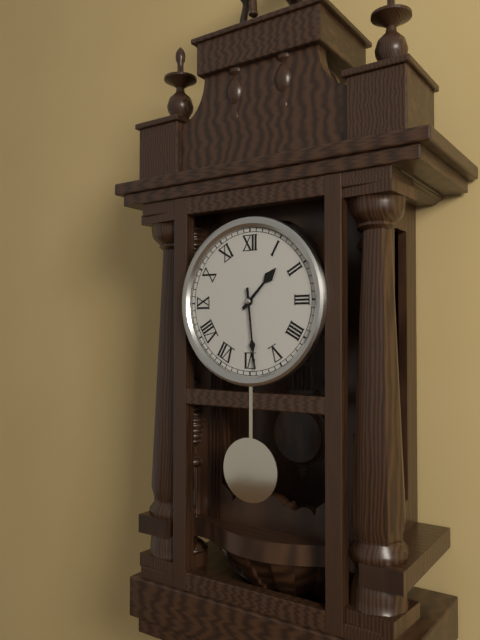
1:29
